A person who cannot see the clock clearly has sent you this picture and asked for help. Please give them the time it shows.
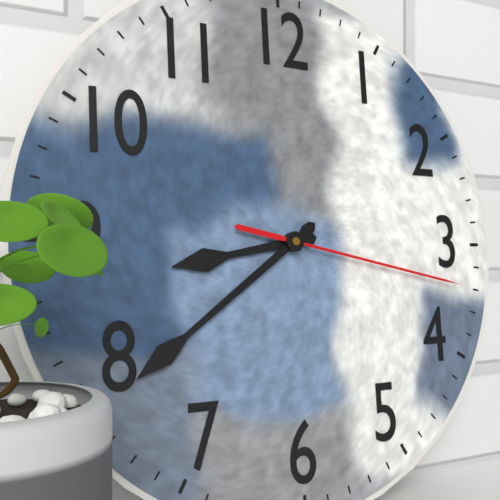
8:39:17
